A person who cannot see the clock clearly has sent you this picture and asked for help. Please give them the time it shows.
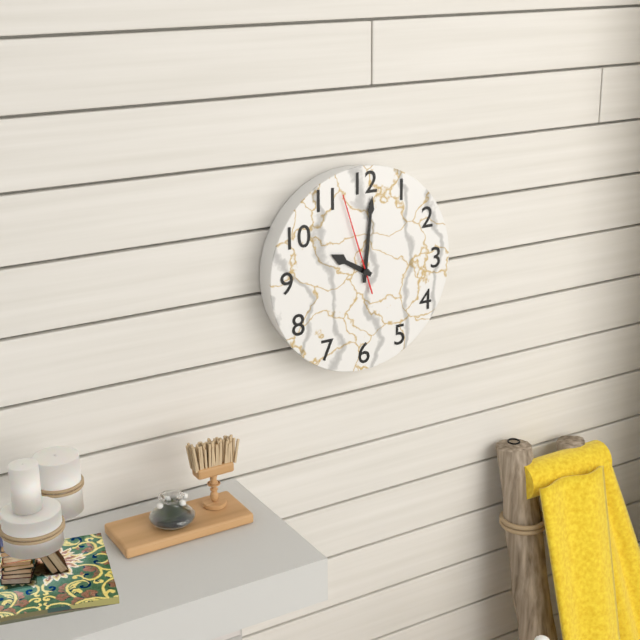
10:01:57
